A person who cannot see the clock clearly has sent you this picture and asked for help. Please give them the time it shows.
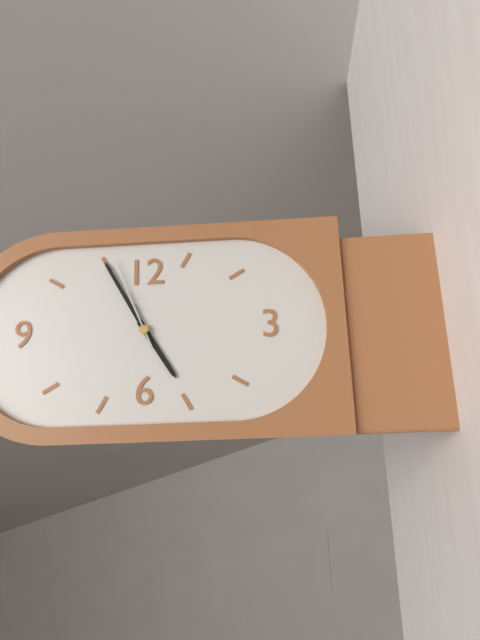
4:55:56
